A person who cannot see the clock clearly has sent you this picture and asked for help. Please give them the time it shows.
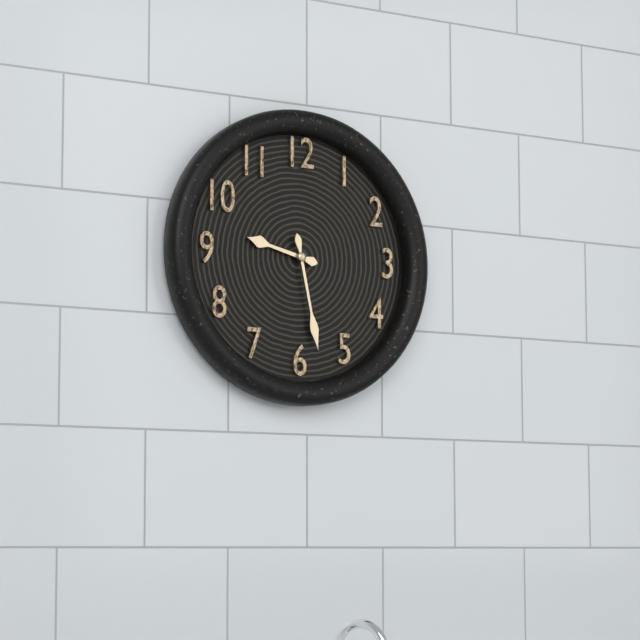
9:28
